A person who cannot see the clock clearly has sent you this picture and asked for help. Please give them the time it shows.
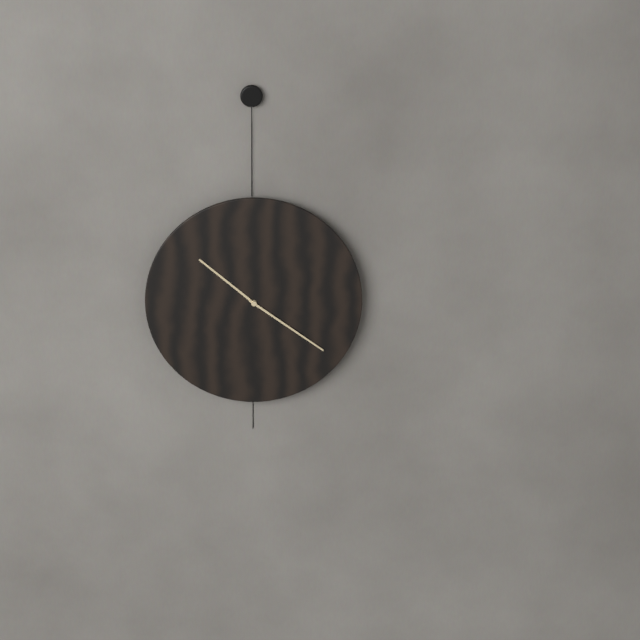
10:21
